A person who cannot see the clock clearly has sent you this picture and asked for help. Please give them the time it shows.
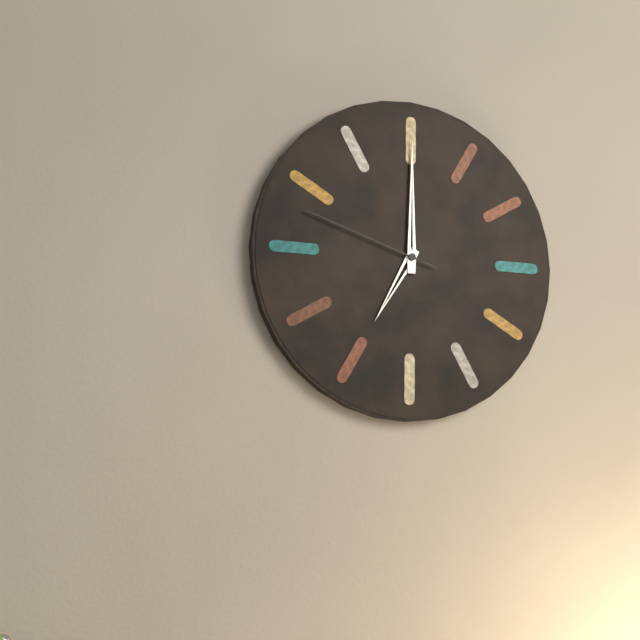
7:00:48
